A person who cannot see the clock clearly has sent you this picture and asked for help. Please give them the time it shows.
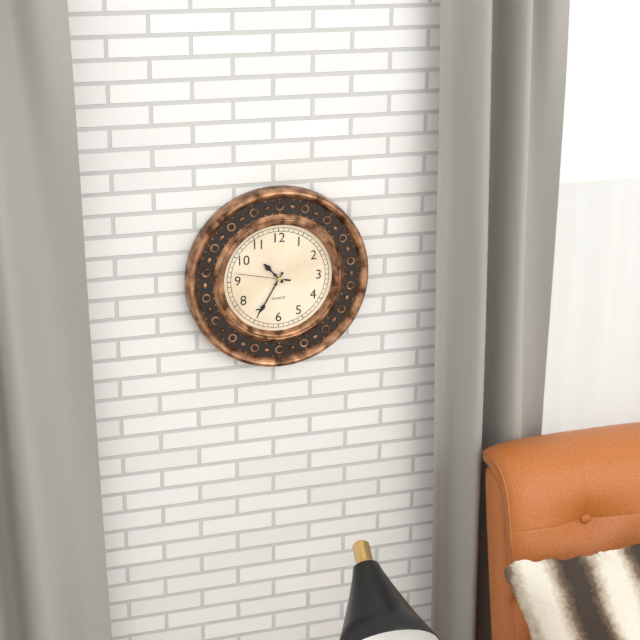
10:35:47
